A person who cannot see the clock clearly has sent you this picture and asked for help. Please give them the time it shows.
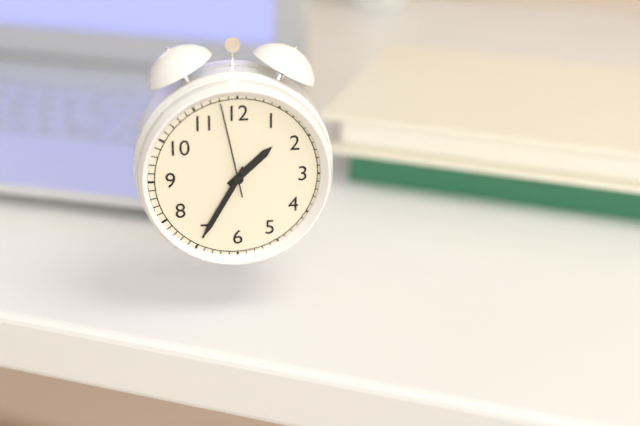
1:35:58
